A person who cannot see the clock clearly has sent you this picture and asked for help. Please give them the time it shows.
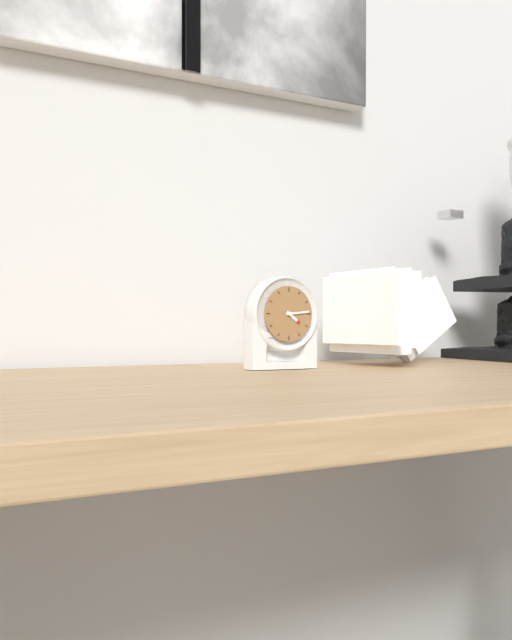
4:14
